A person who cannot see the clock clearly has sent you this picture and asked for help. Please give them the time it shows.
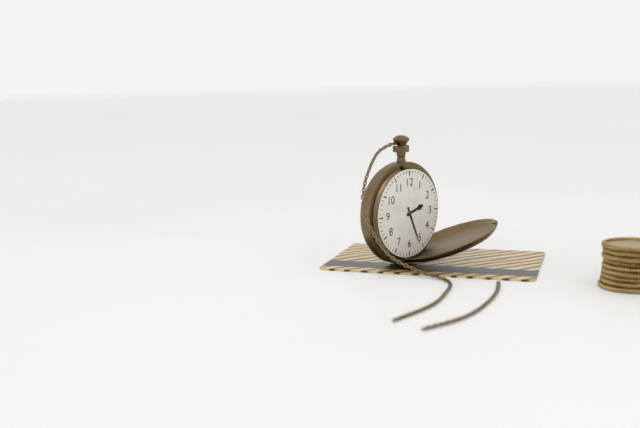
2:26
